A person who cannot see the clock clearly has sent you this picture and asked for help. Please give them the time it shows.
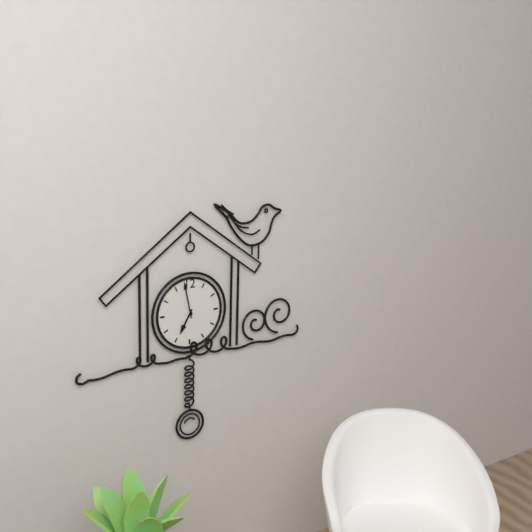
6:58
